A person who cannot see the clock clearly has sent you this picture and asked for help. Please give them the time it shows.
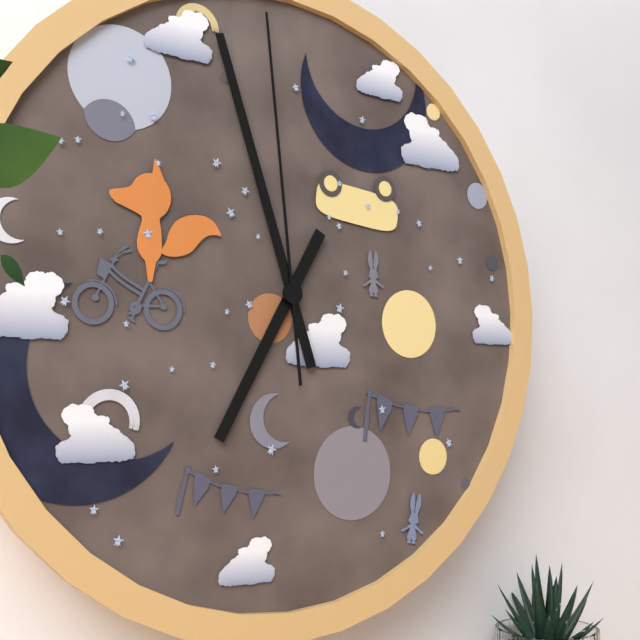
6:57:59
